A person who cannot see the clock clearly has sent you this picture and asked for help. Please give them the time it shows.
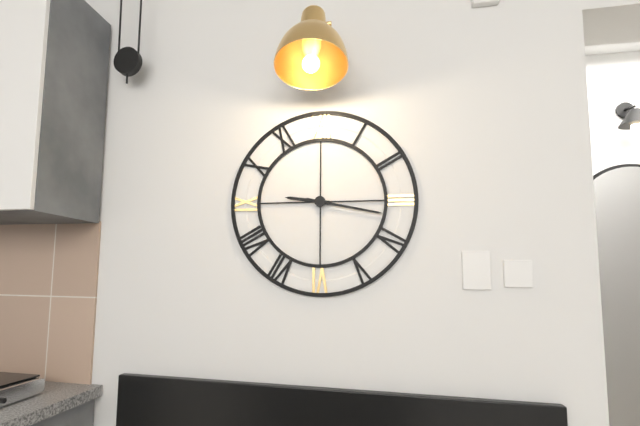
9:17
